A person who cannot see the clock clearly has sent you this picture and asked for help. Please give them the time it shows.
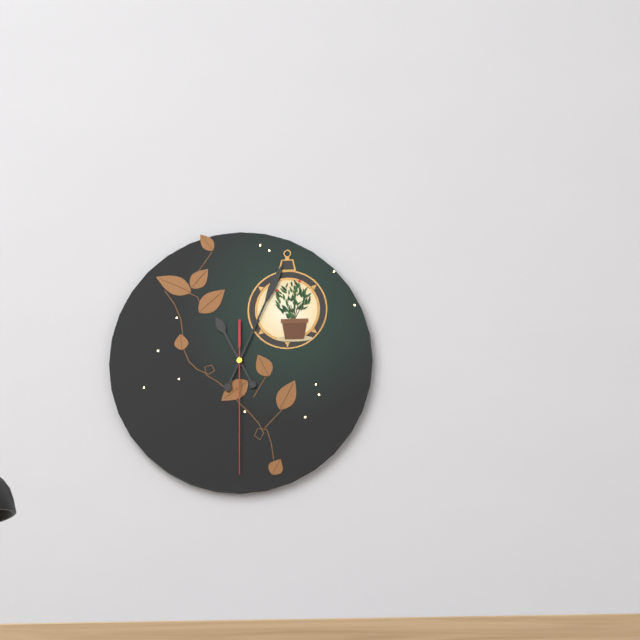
11:04:30
